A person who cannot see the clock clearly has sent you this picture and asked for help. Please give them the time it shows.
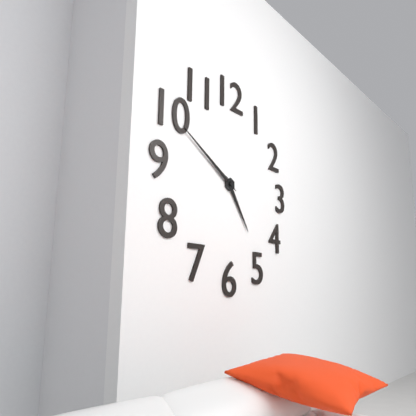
4:50
